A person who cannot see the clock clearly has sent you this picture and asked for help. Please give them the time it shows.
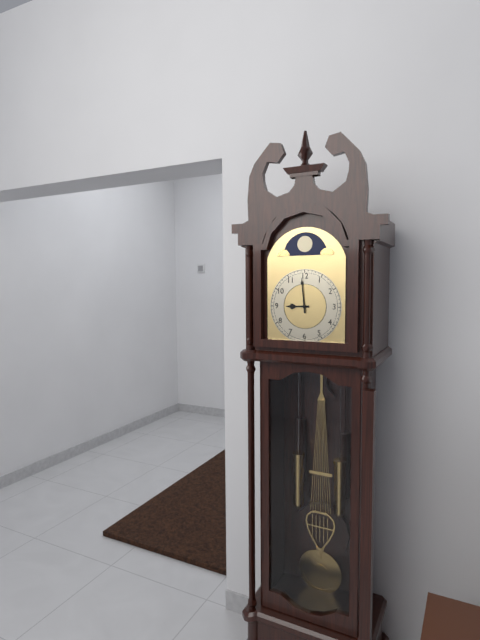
8:59
